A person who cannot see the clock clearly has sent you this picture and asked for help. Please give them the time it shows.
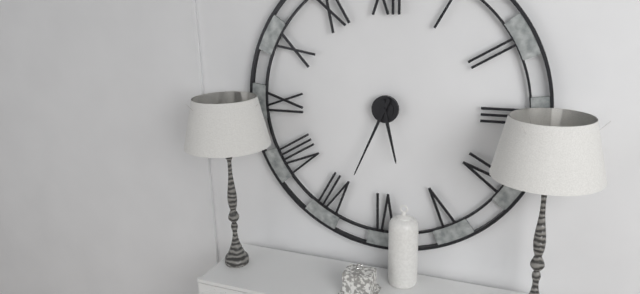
5:34
